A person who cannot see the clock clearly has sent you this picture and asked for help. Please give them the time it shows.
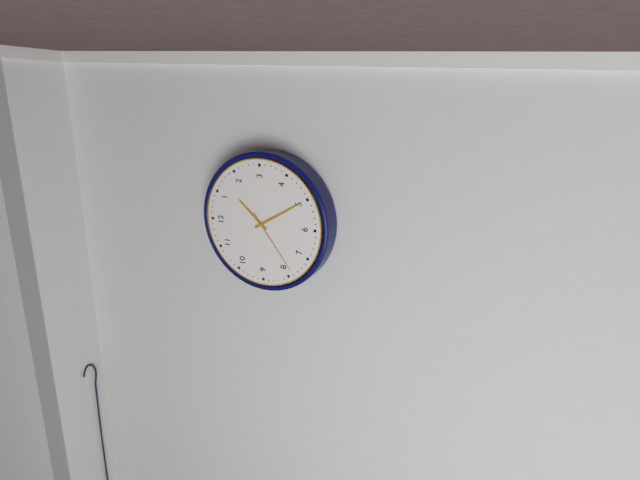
1:25:39
